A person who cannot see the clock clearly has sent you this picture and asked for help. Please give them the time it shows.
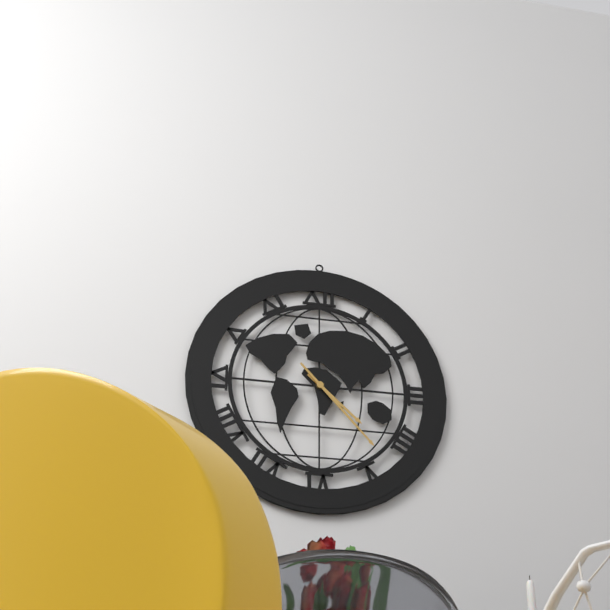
4:23
